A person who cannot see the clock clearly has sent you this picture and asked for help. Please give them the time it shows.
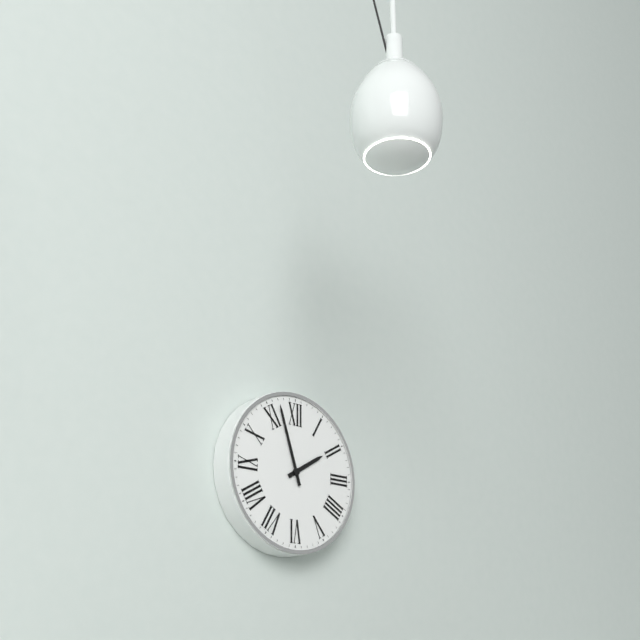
1:57
